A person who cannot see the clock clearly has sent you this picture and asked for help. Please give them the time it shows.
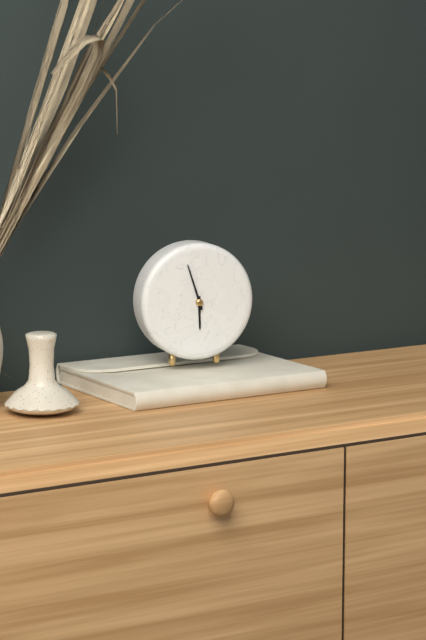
5:57
